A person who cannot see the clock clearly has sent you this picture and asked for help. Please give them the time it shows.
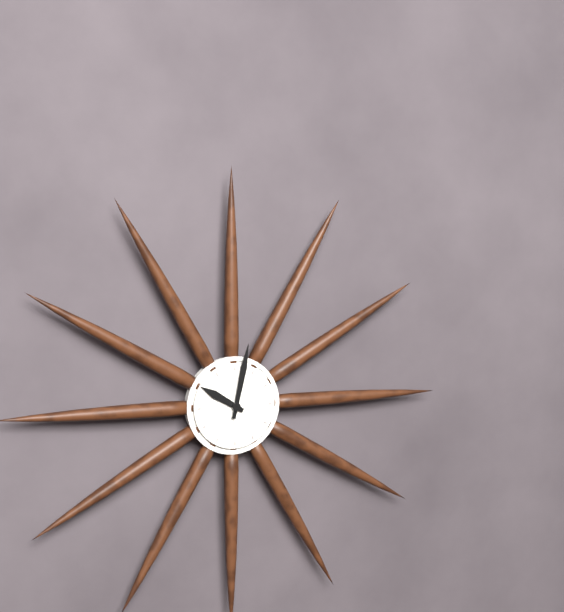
10:02
